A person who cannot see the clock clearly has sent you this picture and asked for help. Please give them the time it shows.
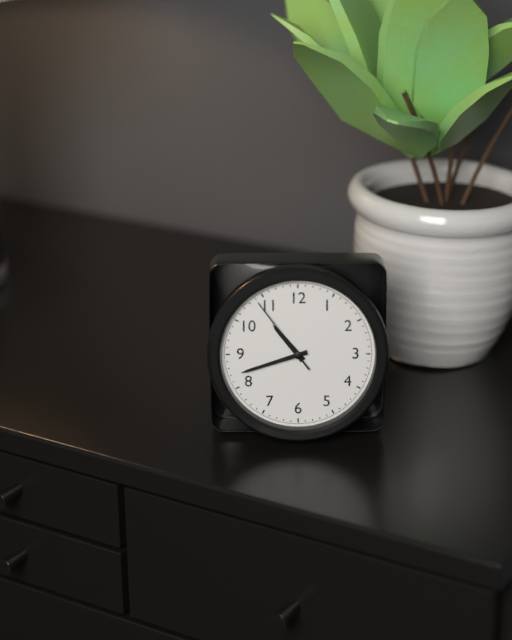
10:42:54
